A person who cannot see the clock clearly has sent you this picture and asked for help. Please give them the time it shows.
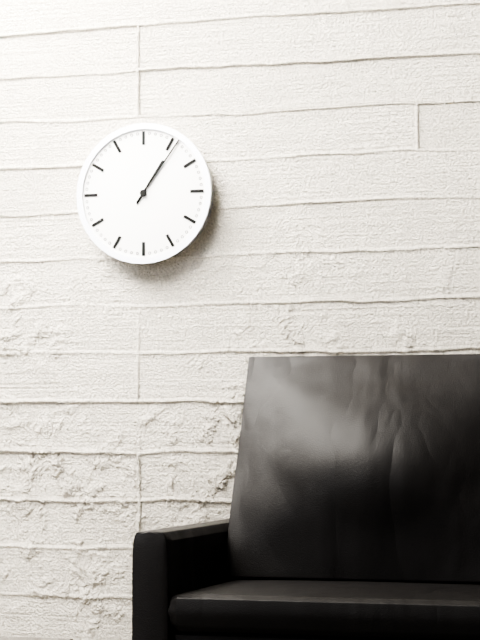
1:06
